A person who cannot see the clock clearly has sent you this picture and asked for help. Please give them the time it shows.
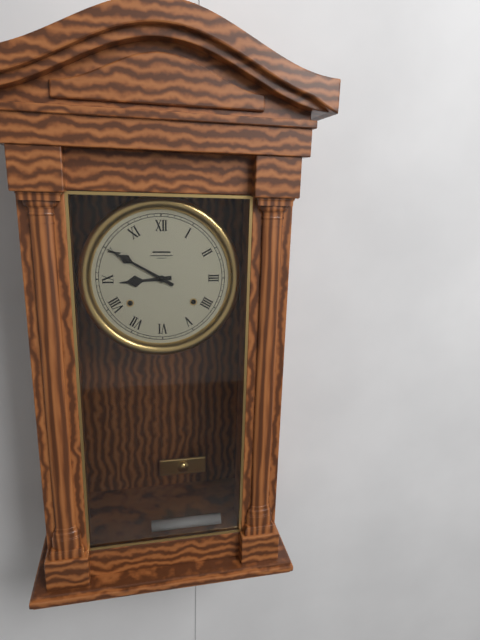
8:50
